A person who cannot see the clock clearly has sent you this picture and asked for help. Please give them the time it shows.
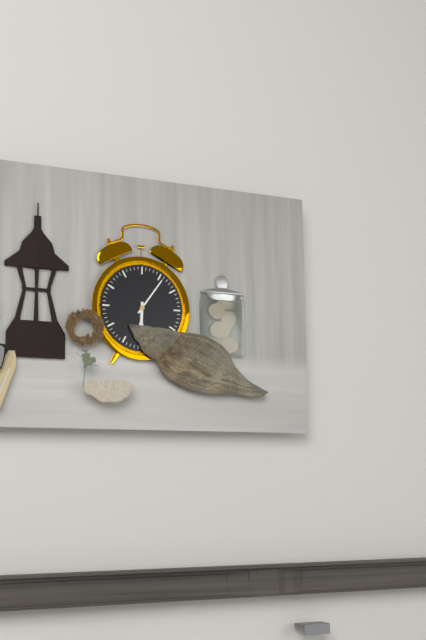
6:06
